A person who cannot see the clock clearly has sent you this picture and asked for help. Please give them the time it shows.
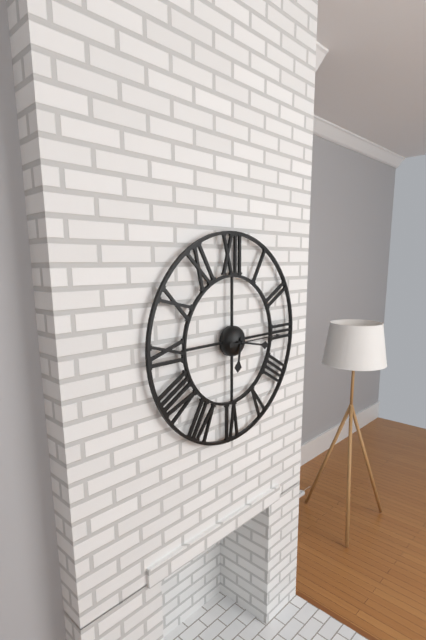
6:17:15
